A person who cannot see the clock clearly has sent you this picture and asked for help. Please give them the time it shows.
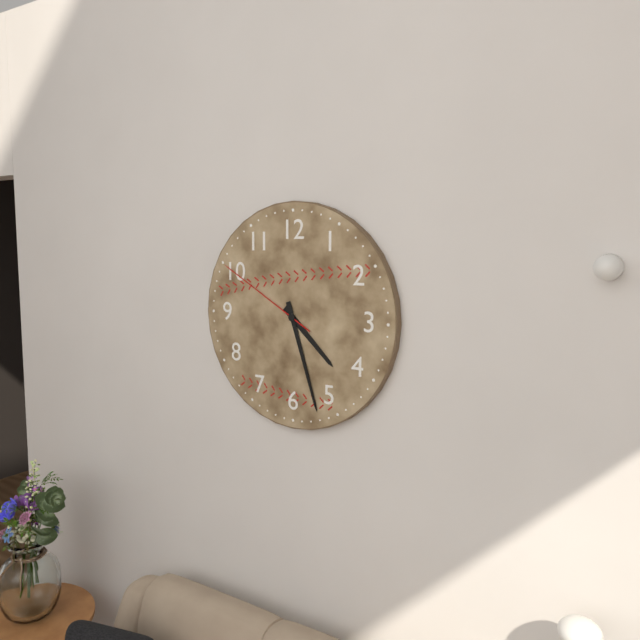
4:27:50
